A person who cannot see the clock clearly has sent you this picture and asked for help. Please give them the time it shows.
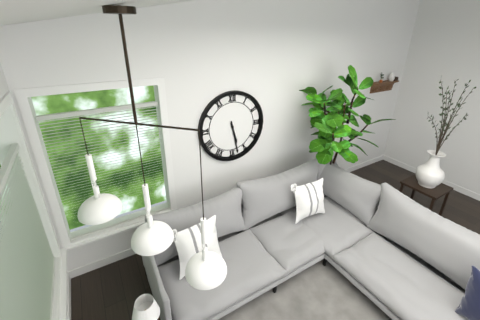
5:28
